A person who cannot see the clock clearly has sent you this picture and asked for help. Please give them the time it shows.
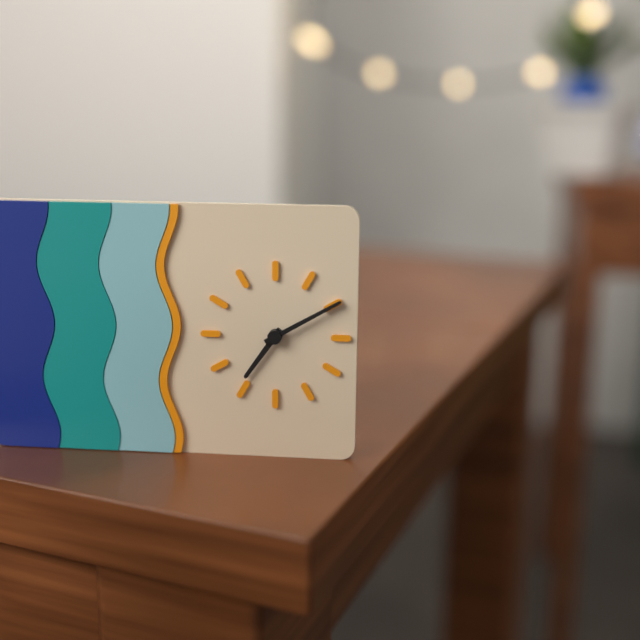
7:10
